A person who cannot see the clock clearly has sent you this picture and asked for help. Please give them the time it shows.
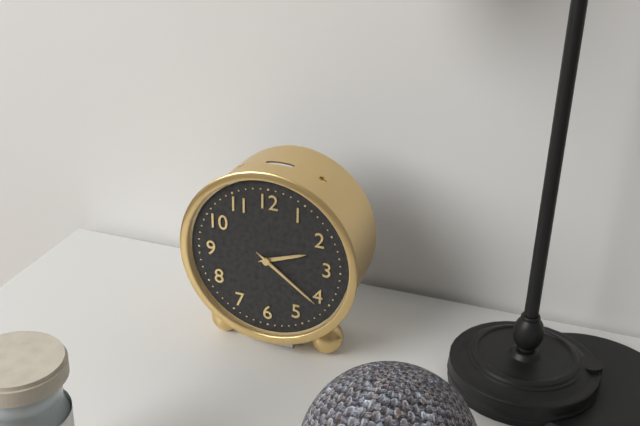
2:21
